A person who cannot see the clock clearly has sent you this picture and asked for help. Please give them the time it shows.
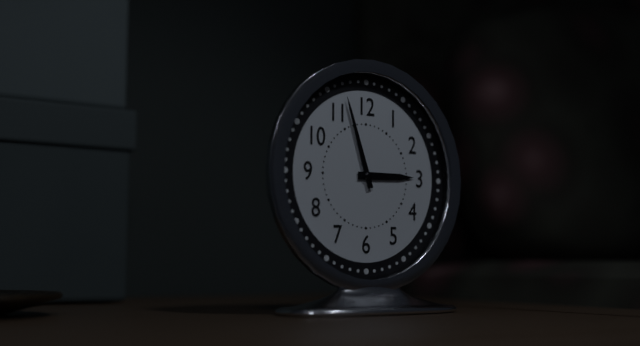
2:57
